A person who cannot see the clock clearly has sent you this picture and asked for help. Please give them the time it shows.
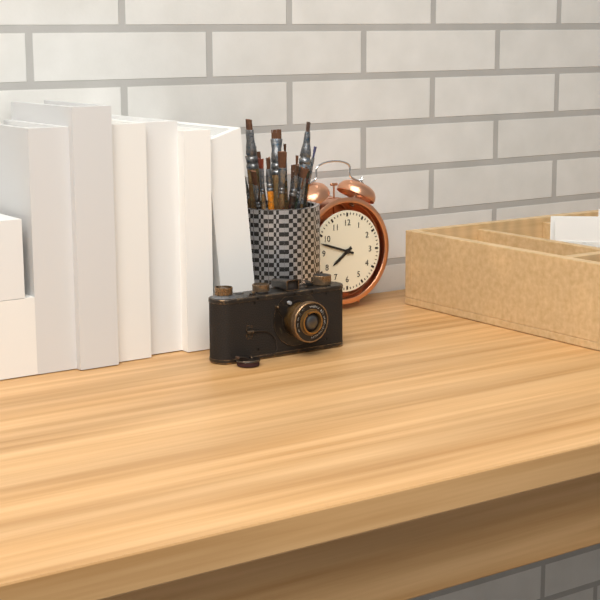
7:48
